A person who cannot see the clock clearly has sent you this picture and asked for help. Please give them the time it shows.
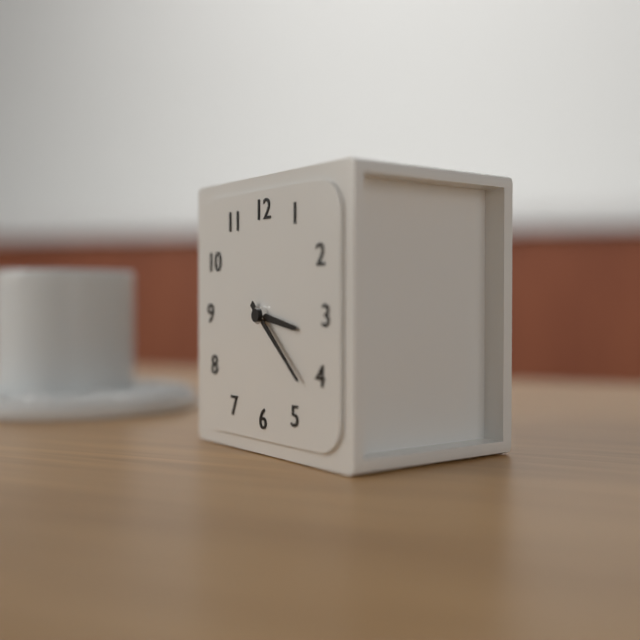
3:22
